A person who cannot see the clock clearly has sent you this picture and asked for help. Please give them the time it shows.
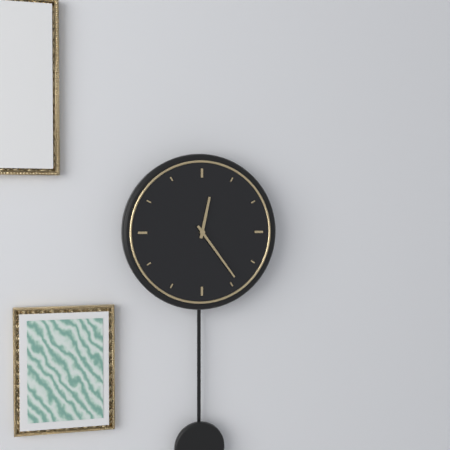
12:24
